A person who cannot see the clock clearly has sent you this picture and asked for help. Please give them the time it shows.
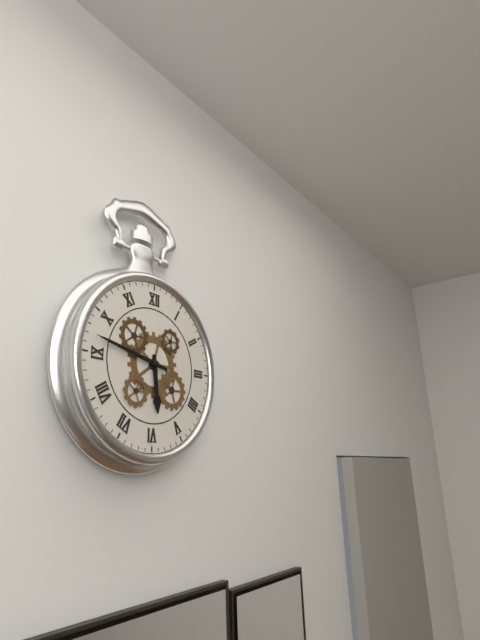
5:47
